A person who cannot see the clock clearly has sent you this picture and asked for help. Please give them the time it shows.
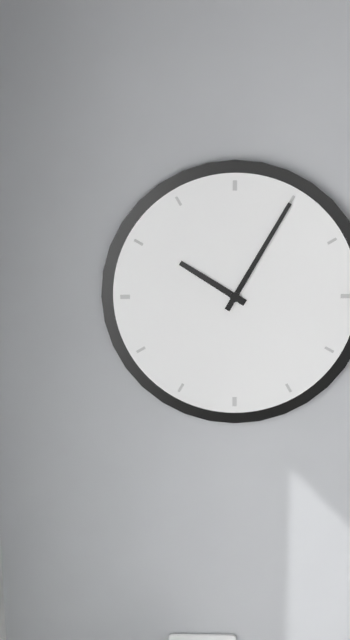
10:05
